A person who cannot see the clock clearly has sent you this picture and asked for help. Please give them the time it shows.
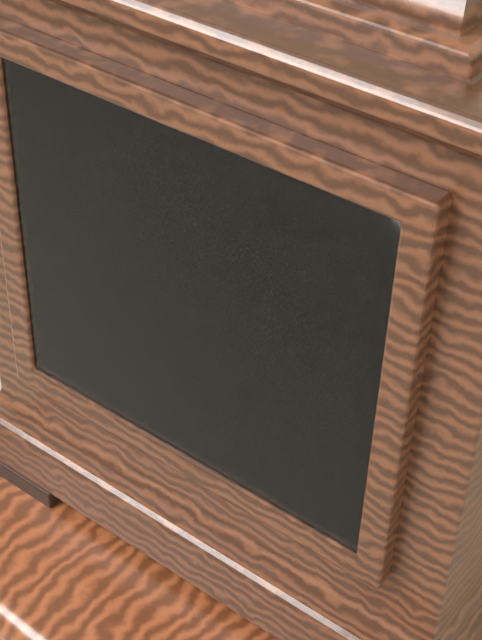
4:19
